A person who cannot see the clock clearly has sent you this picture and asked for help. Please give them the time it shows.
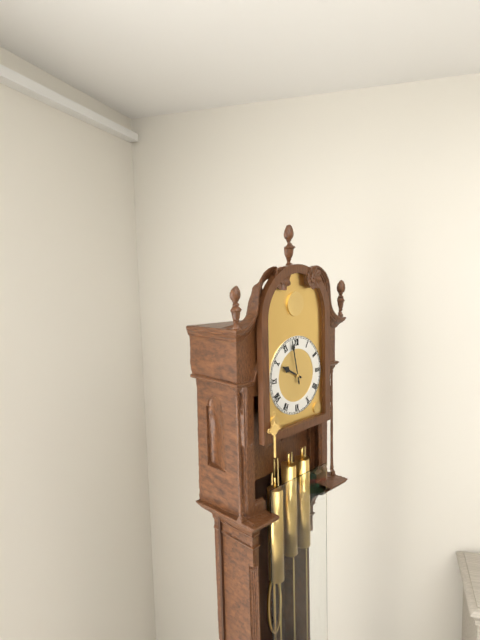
9:58
